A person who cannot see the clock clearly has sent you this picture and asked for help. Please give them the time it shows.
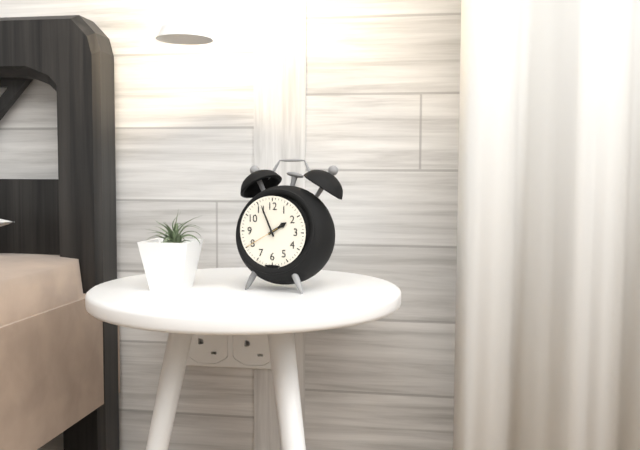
1:56
